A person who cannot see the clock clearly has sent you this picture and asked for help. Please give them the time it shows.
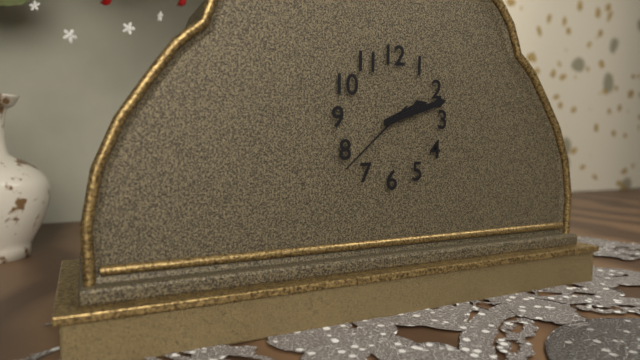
2:12:38
